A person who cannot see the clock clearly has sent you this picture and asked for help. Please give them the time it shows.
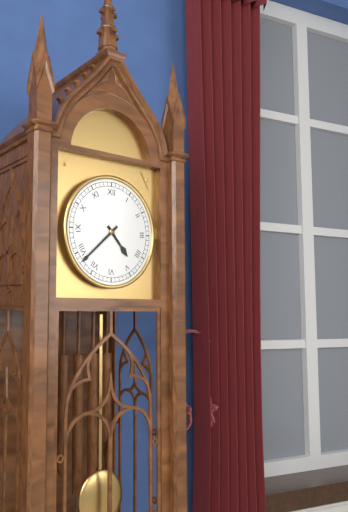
4:38
